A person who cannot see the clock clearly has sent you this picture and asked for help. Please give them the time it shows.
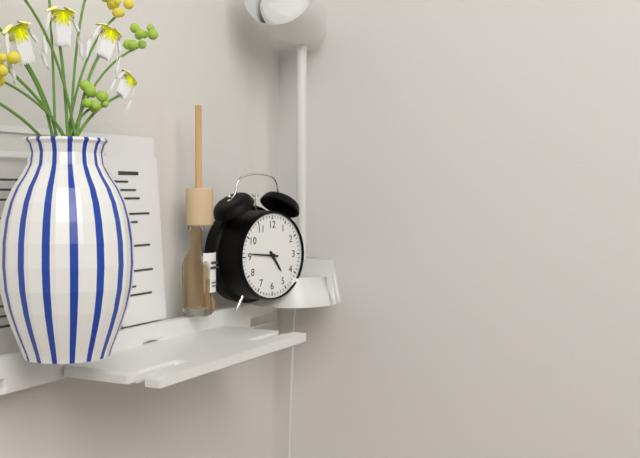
4:46
